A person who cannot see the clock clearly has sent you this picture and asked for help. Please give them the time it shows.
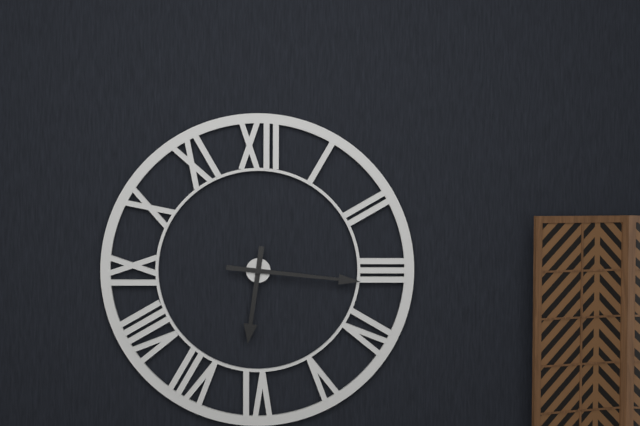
6:16
